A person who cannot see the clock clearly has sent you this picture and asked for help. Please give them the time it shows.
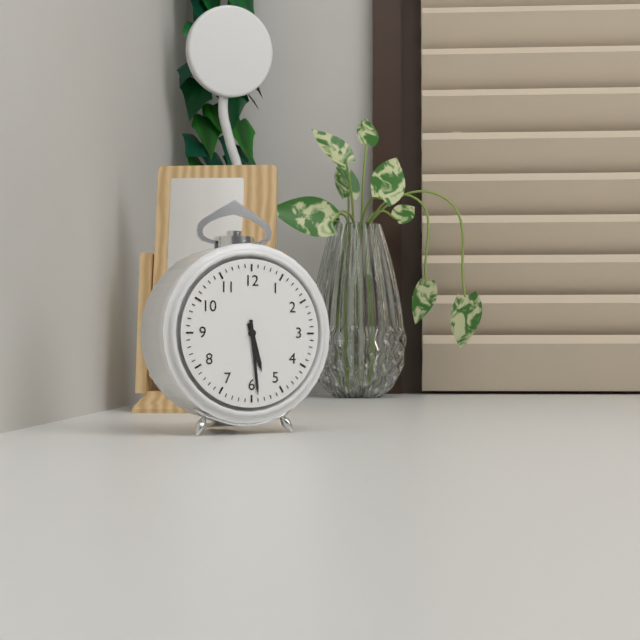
5:29
